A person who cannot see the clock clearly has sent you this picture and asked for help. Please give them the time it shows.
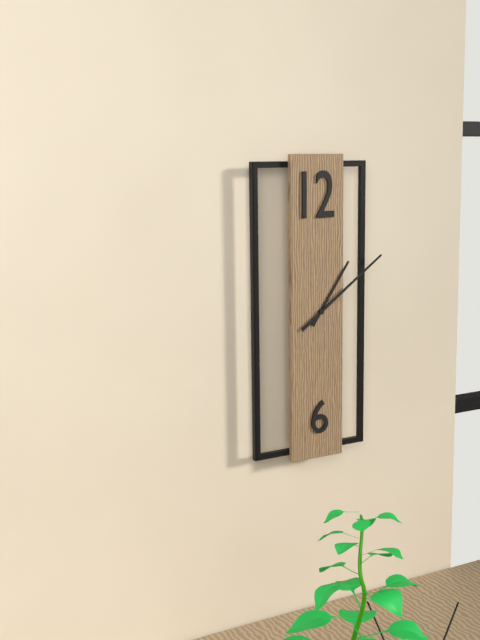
1:09
